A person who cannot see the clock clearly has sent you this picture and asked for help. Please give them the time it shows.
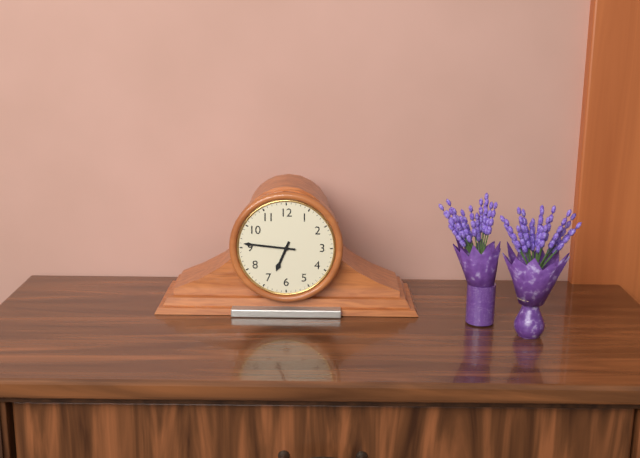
6:46
